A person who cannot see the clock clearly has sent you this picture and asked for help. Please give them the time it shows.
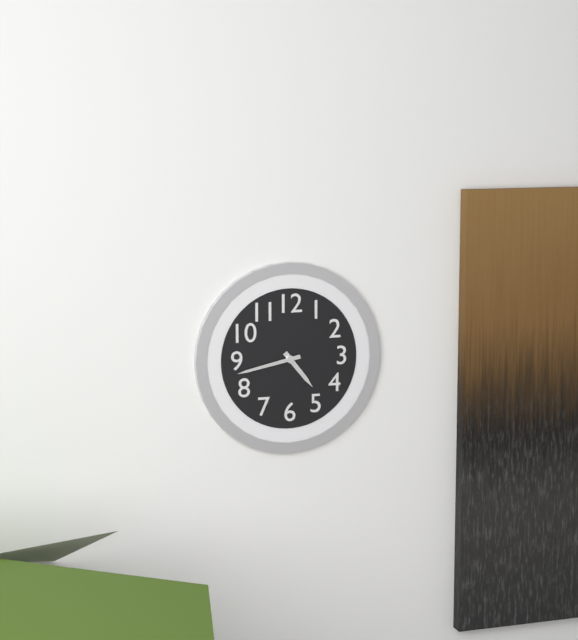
4:43
